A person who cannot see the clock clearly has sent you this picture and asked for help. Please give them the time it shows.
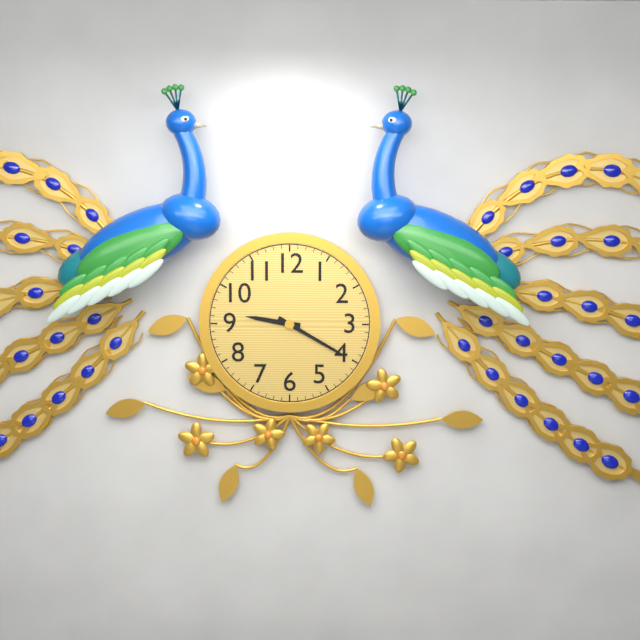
9:20
